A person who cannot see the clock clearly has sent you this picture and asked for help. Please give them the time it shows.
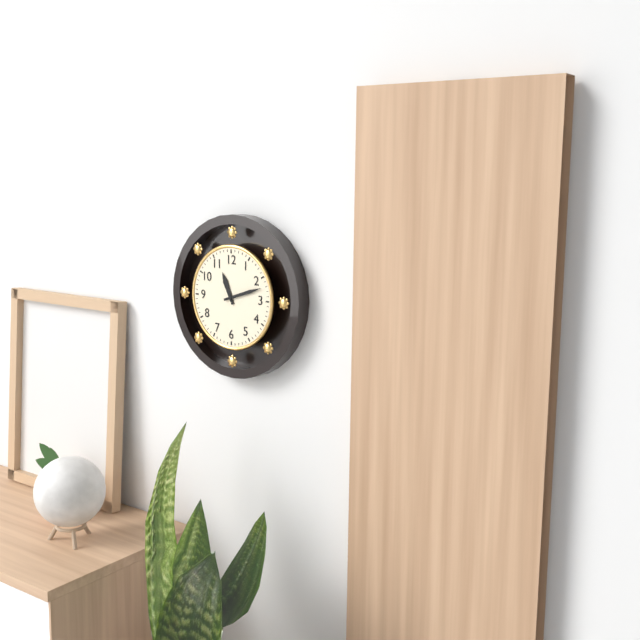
11:12
